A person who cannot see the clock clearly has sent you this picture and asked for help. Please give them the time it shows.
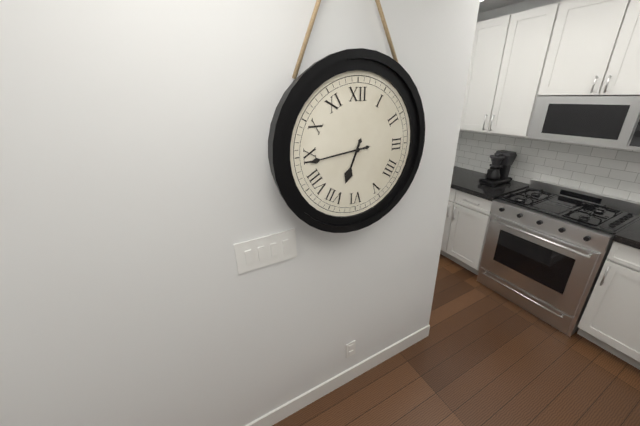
6:44
